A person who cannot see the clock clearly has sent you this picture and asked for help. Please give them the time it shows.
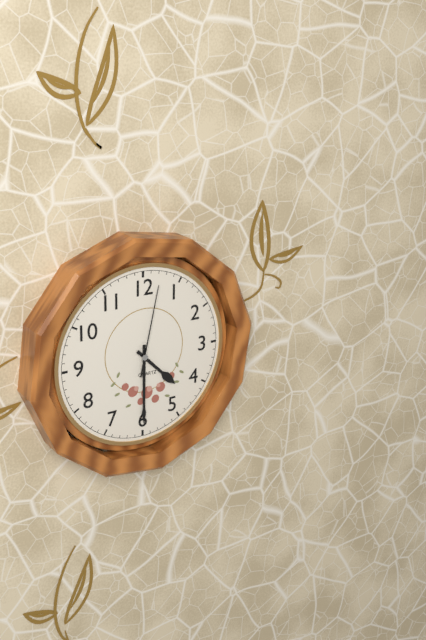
4:30:02
